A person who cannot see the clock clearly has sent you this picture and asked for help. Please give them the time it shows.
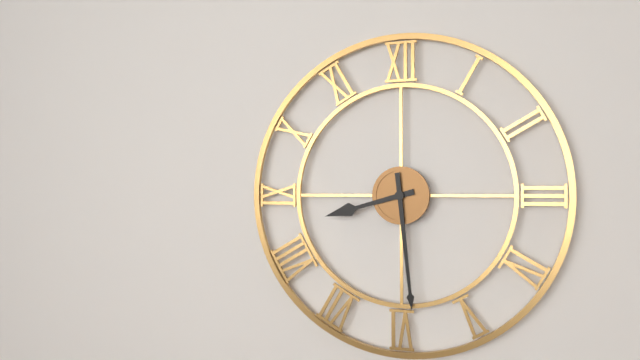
8:29
